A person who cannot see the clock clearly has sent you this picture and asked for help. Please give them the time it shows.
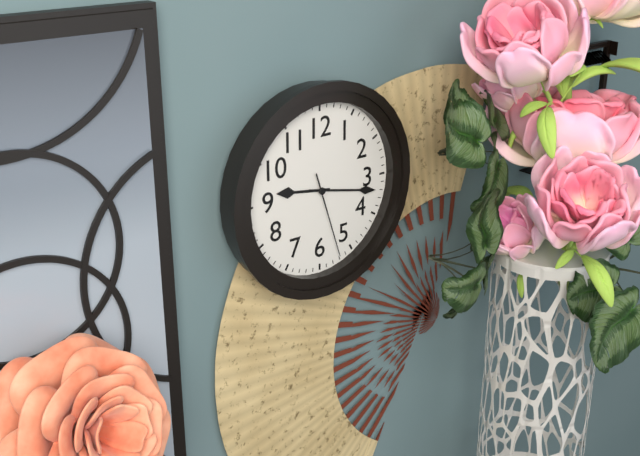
9:17:27
